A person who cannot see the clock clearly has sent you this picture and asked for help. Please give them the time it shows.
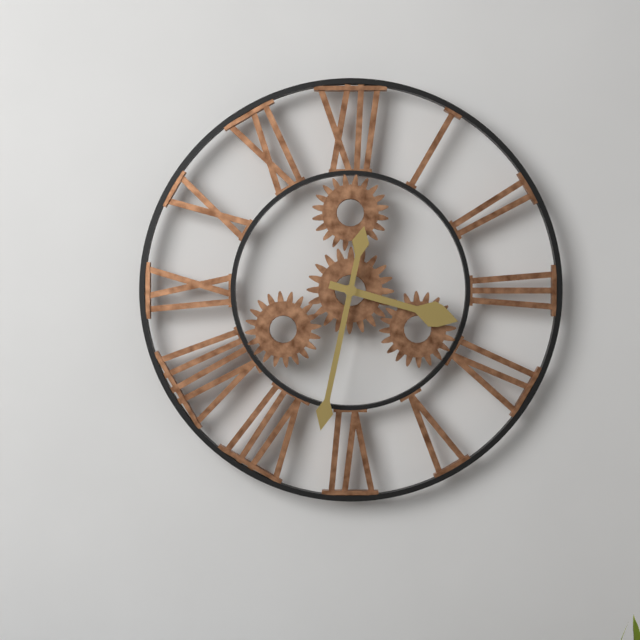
3:32
